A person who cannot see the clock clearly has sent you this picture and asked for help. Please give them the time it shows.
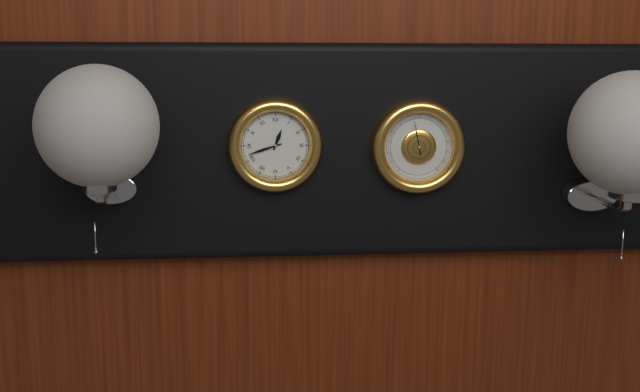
12:42
